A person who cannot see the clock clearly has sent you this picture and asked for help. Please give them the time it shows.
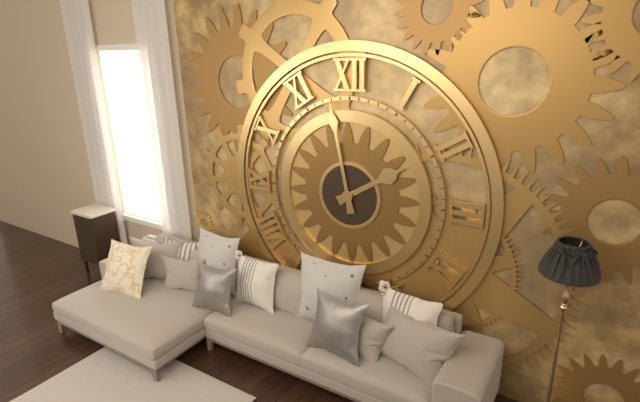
1:58
